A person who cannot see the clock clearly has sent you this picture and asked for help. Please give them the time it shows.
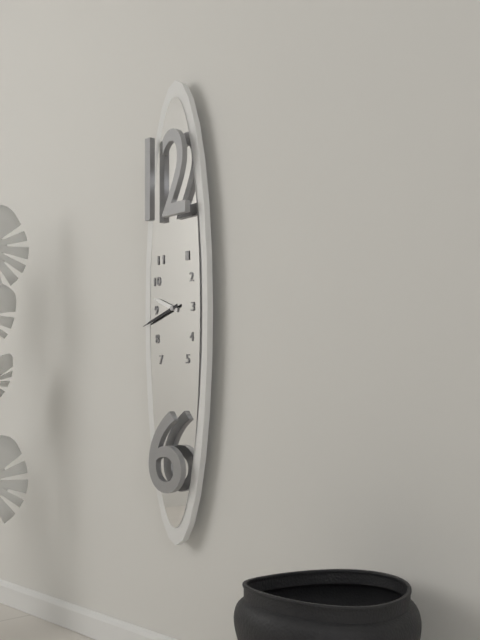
9:42
